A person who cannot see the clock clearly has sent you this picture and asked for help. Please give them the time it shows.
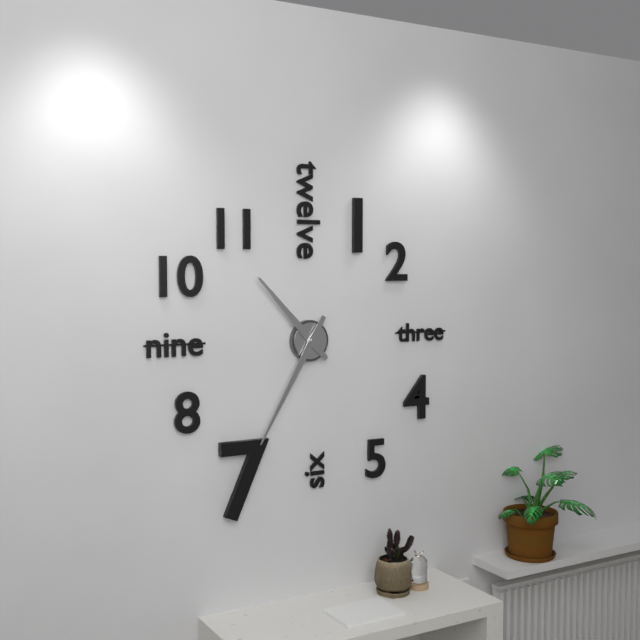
10:35
